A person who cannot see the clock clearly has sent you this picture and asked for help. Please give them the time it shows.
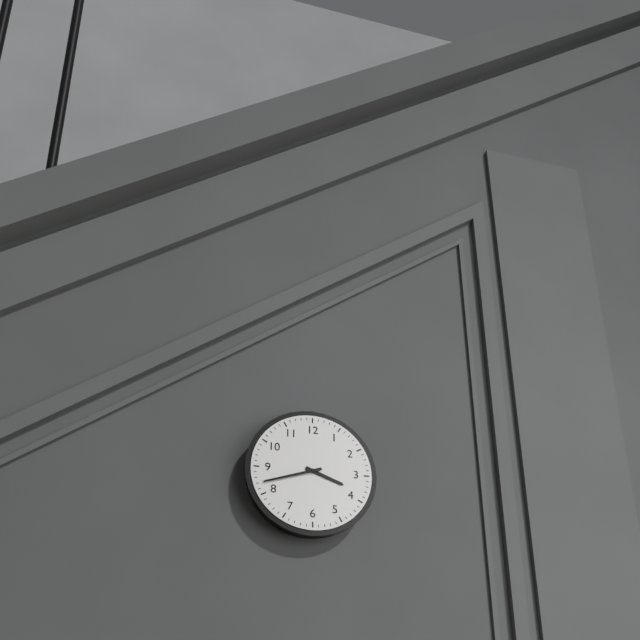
3:42
